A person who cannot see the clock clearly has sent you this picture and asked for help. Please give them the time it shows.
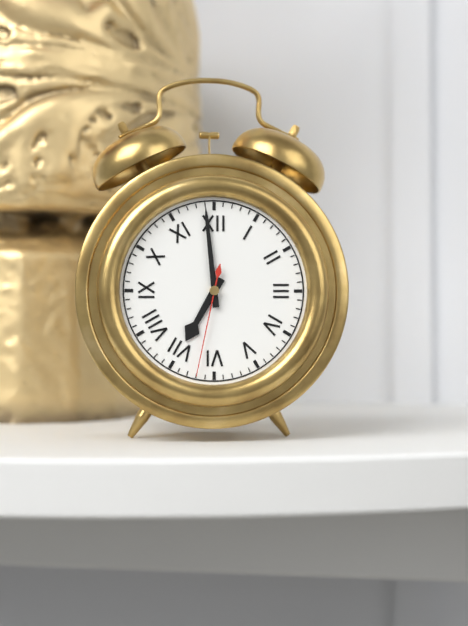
6:59:32
